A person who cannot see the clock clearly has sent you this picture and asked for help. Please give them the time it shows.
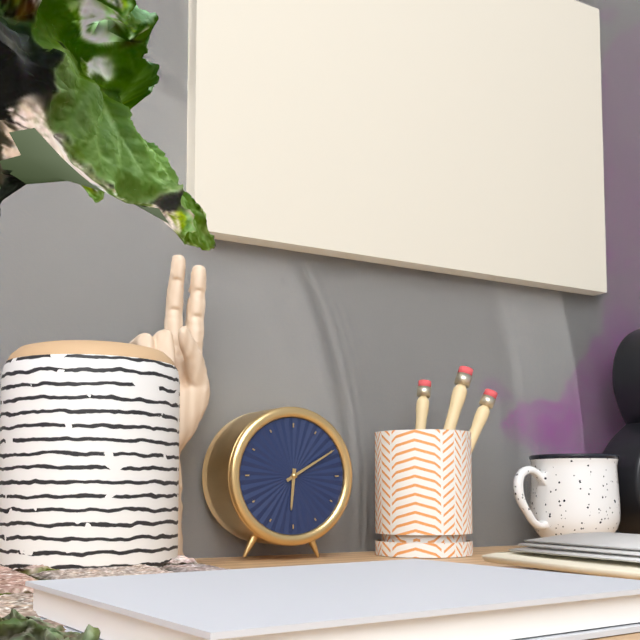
6:10
